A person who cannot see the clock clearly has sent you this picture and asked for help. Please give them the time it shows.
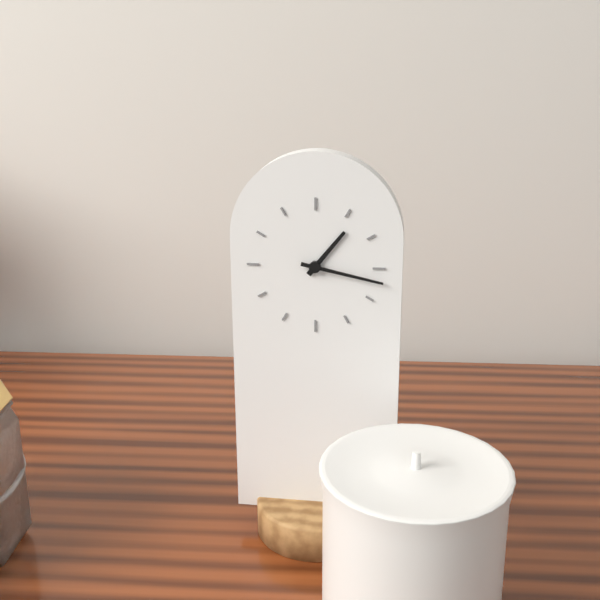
1:17
